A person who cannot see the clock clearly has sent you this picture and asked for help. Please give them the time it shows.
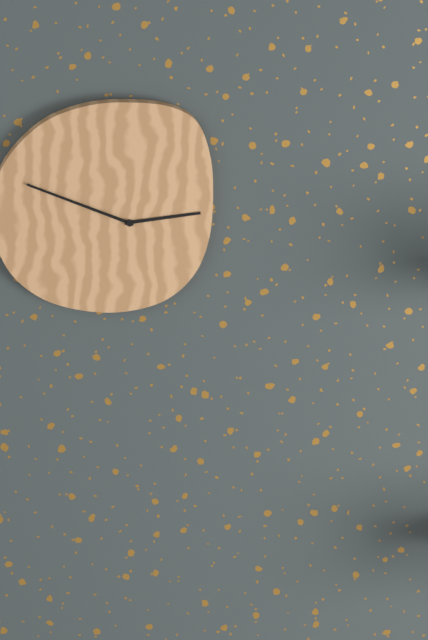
2:49
